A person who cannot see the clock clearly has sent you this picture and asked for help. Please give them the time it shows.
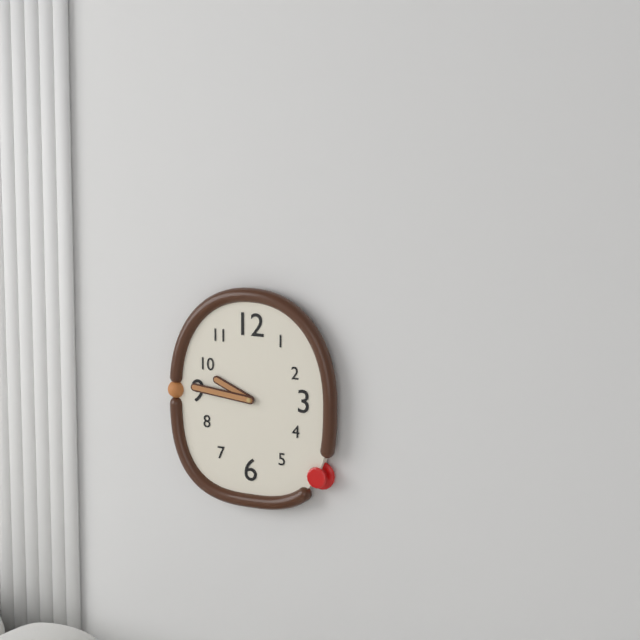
9:46
